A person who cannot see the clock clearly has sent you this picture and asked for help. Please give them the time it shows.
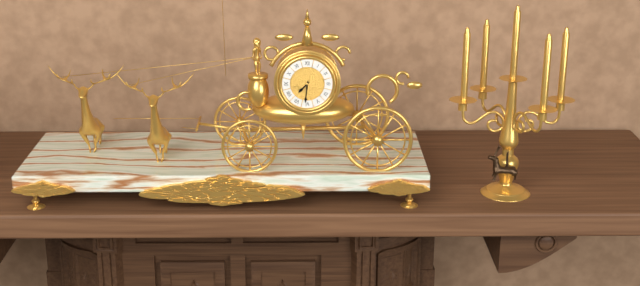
7:31
